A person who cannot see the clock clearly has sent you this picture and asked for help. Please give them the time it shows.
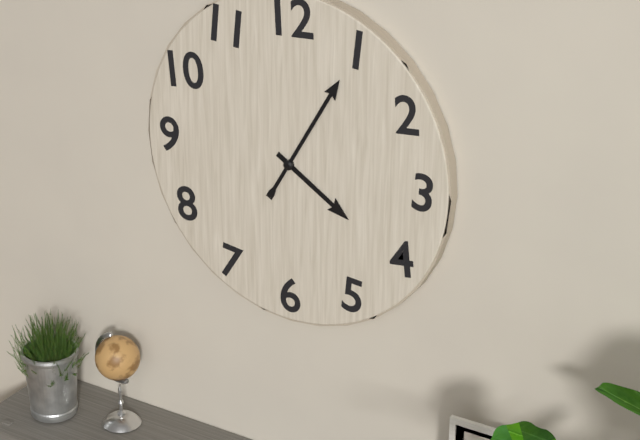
4:05
